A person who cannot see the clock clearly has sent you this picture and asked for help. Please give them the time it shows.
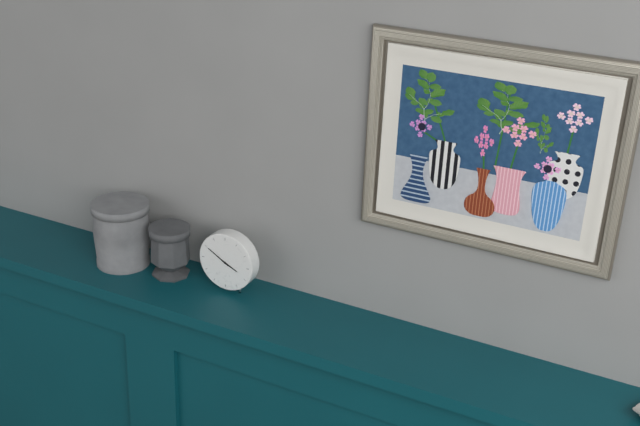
3:50
